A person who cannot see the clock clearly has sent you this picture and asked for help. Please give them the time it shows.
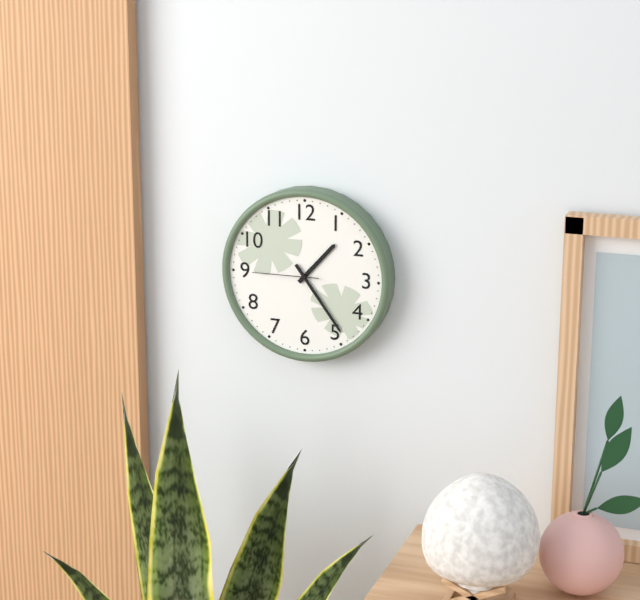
1:24:45
